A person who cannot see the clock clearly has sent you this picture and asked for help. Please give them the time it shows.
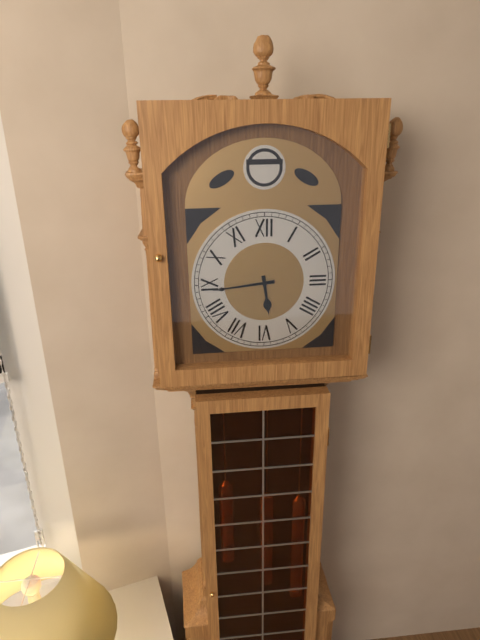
5:44
